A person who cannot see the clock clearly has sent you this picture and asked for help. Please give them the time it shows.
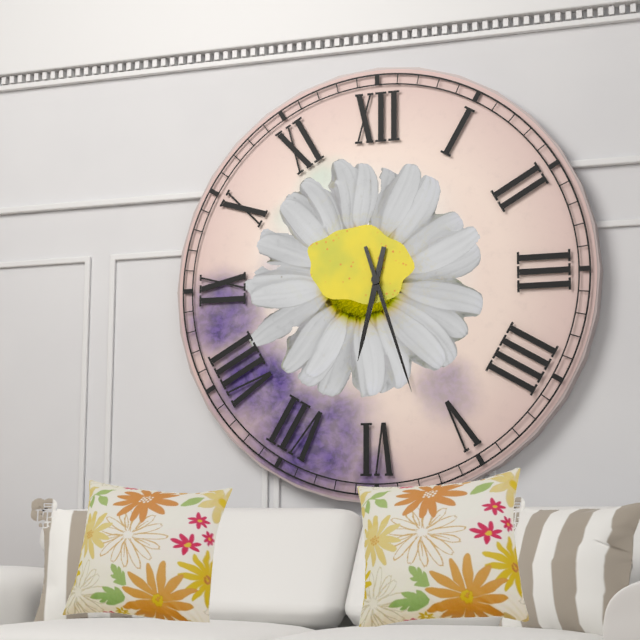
6:27
